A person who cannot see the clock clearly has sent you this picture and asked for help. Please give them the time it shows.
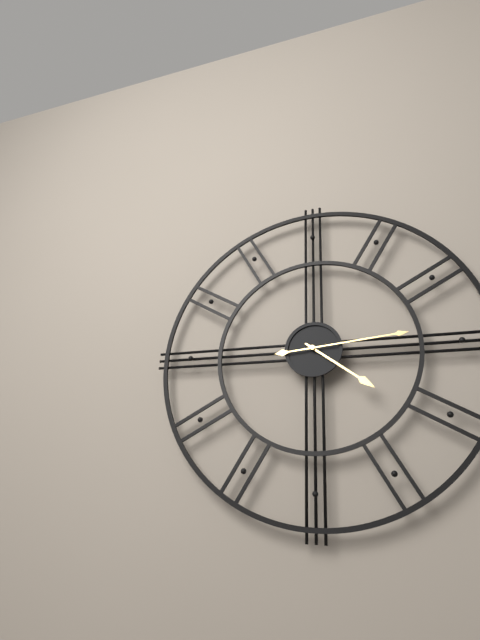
4:14
